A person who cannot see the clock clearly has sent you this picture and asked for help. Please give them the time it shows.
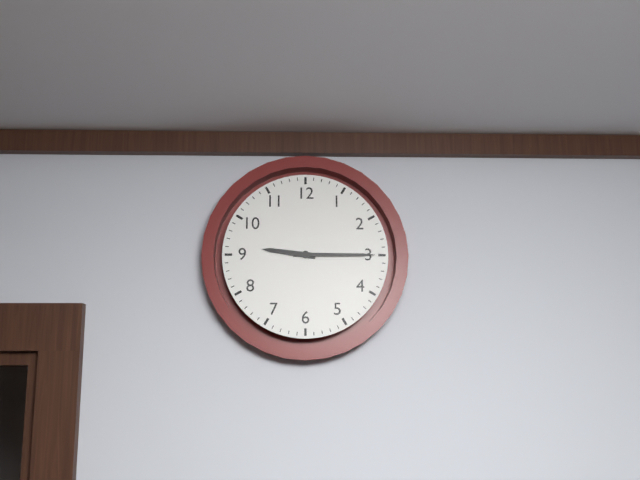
9:15
